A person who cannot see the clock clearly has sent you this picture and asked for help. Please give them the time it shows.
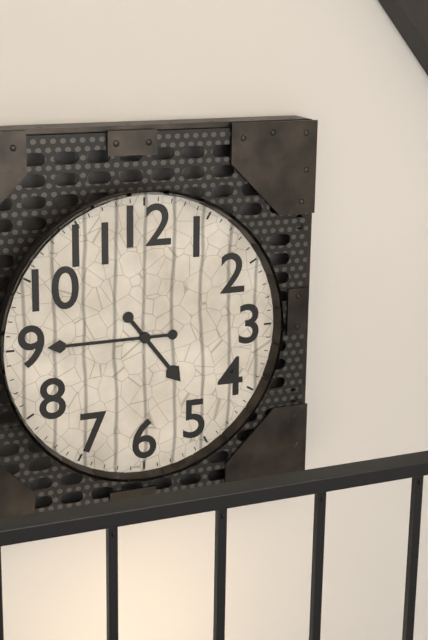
4:45
